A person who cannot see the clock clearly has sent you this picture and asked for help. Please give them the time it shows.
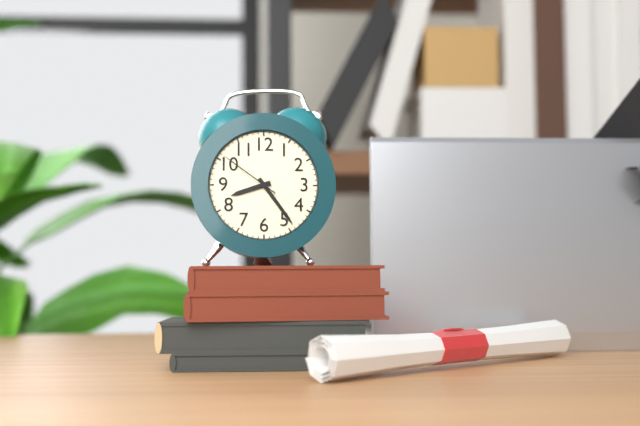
8:24:51
